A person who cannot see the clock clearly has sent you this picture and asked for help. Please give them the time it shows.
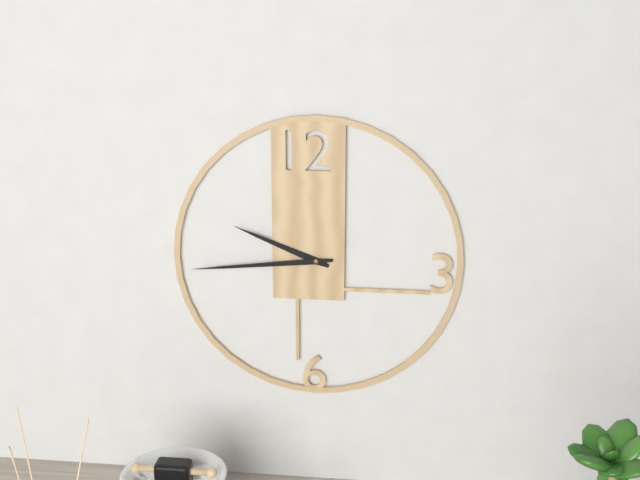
9:44
